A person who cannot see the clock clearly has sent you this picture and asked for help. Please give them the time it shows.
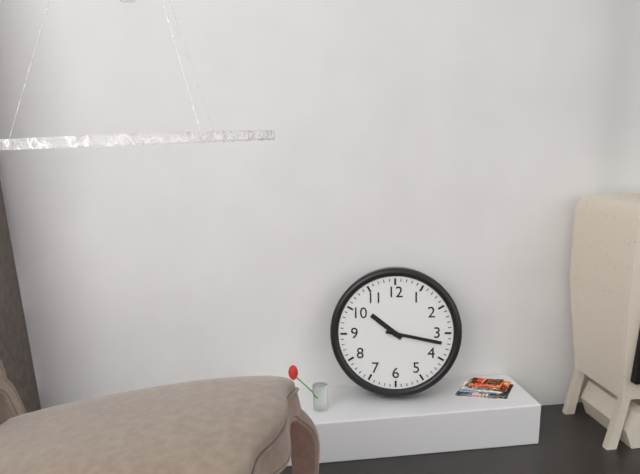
10:17
